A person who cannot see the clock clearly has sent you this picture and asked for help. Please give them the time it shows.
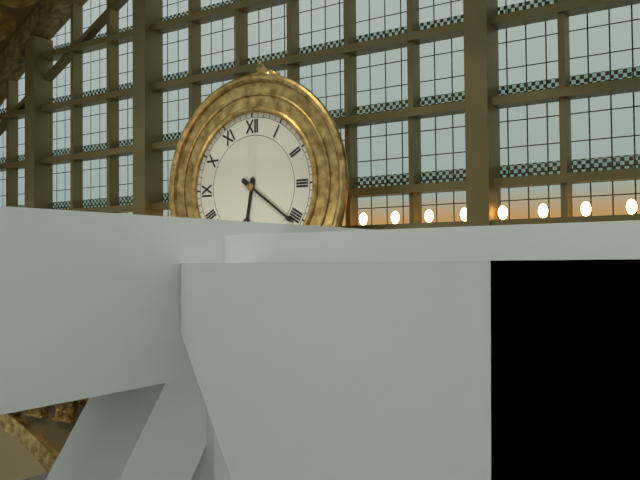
6:21
